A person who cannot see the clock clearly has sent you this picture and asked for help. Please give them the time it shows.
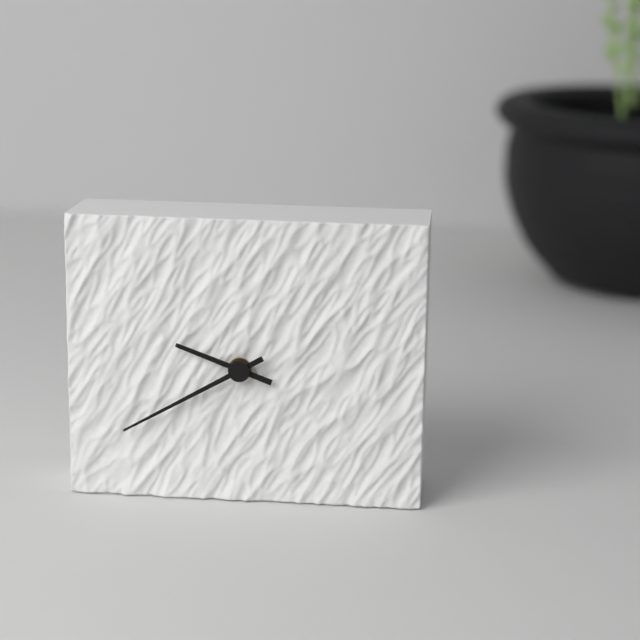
9:40
